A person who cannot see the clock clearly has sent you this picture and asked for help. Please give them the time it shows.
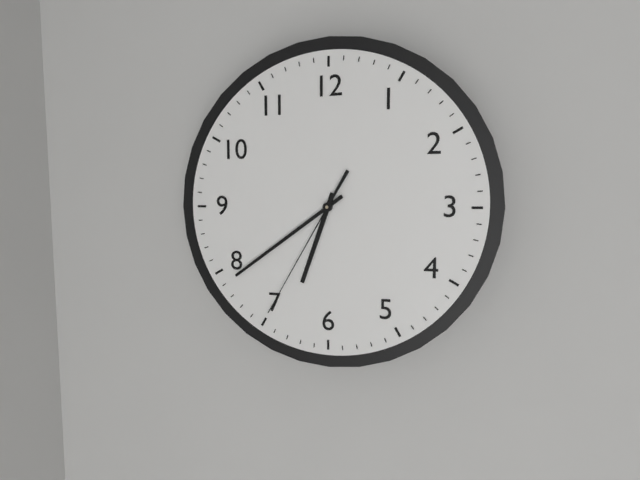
6:39:35
